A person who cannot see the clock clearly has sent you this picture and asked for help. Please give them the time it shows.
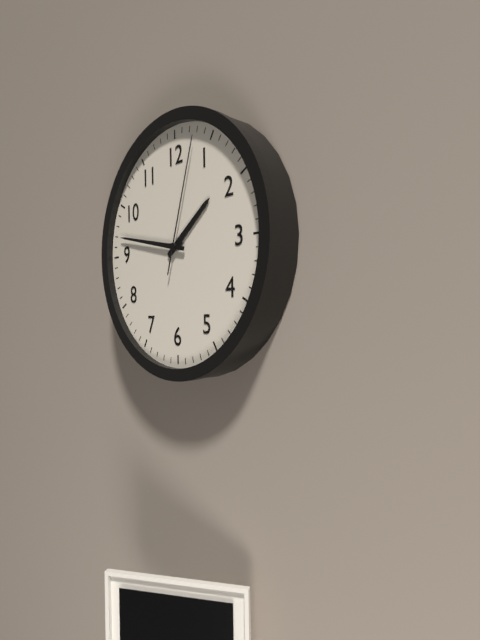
1:47:03
